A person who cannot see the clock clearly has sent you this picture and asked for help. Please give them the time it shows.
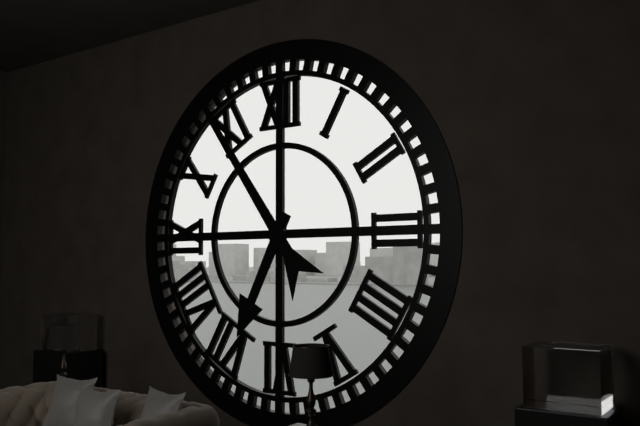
6:54
